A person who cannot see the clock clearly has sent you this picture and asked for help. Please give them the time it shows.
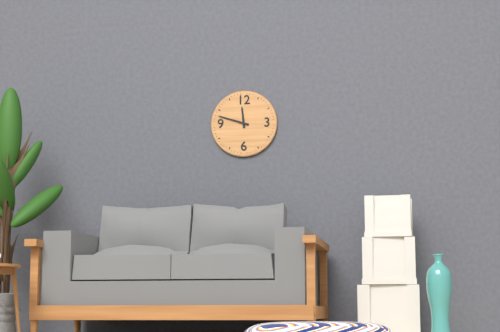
11:48
